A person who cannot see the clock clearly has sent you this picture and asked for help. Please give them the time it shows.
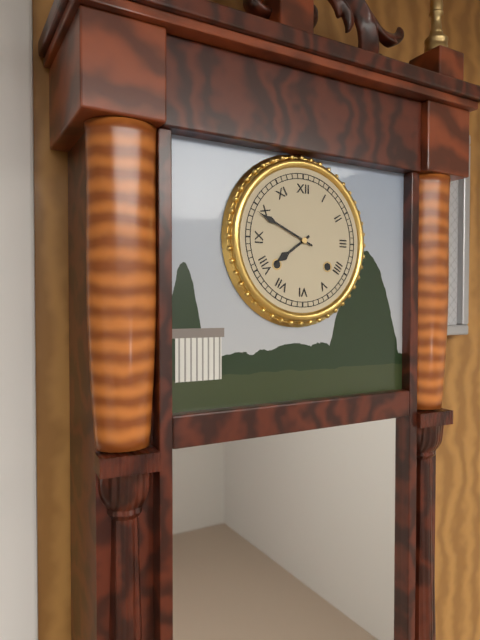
7:49
